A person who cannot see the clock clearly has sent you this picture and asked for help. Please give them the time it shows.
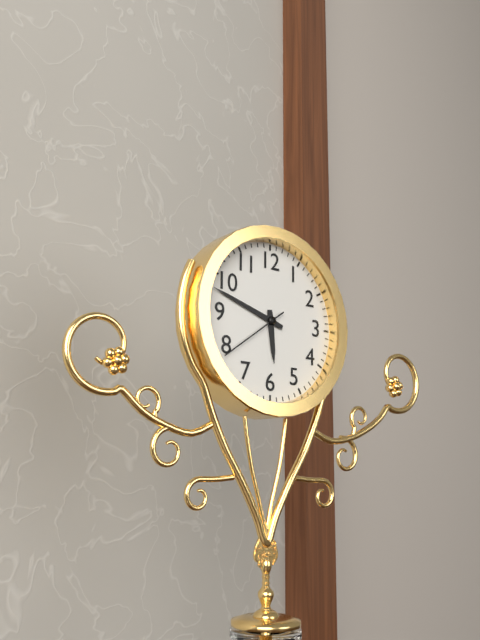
5:48:39
